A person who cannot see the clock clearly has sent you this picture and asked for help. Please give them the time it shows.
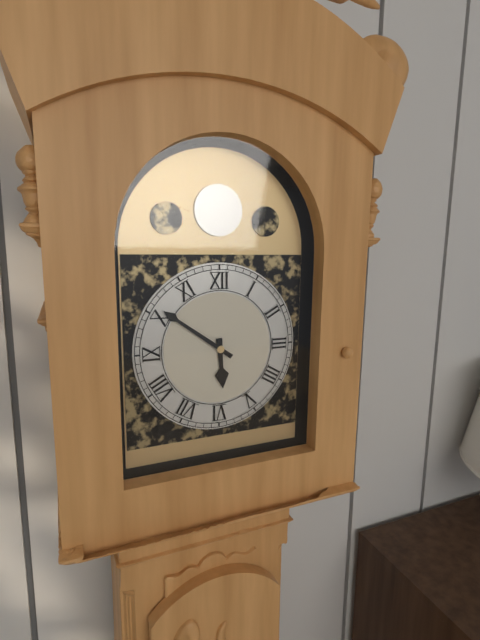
5:51
